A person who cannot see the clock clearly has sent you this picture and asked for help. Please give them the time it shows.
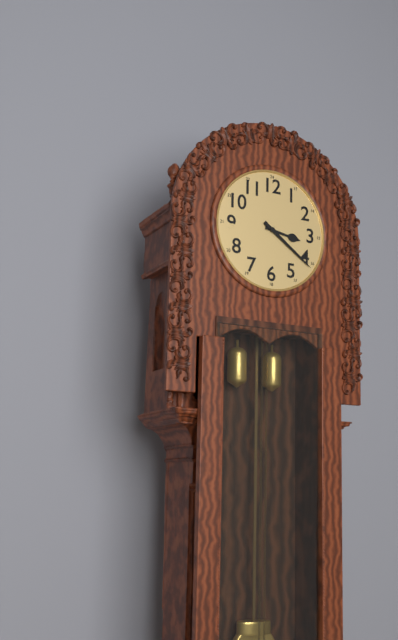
3:21
